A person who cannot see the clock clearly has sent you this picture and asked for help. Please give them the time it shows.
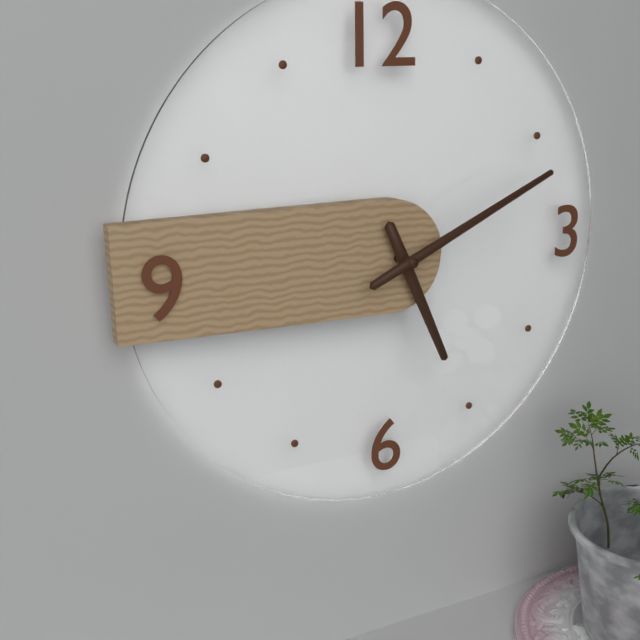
5:11
